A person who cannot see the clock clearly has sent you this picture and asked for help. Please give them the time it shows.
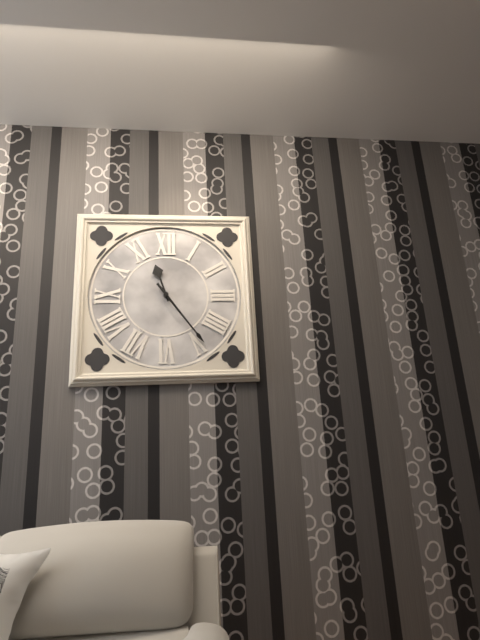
11:24
